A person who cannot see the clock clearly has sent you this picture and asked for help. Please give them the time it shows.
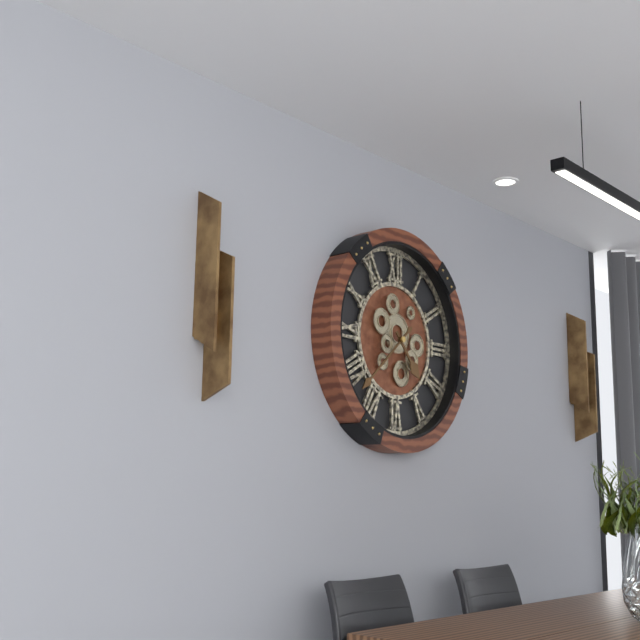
4:38
